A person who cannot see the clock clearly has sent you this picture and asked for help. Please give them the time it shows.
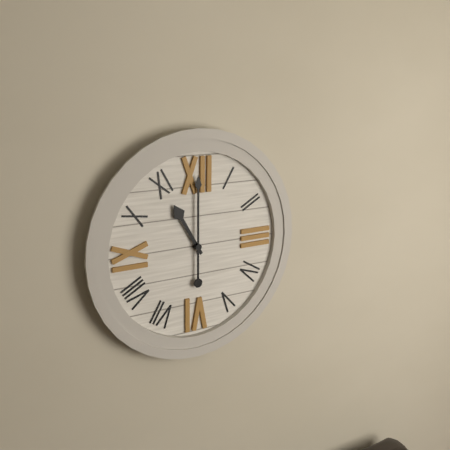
11:00
